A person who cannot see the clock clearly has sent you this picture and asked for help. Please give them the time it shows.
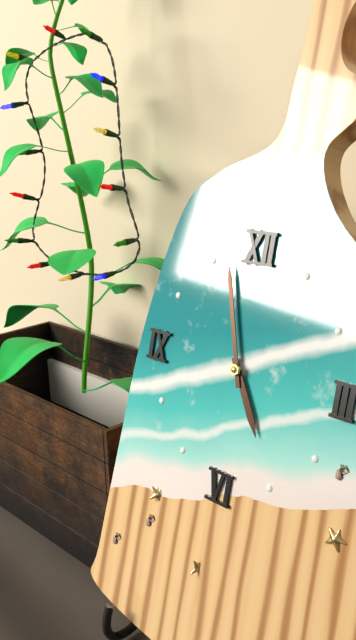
4:57
